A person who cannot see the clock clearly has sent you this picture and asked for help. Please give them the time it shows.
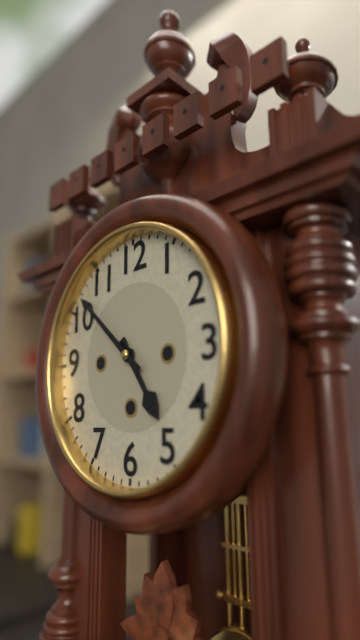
4:52
